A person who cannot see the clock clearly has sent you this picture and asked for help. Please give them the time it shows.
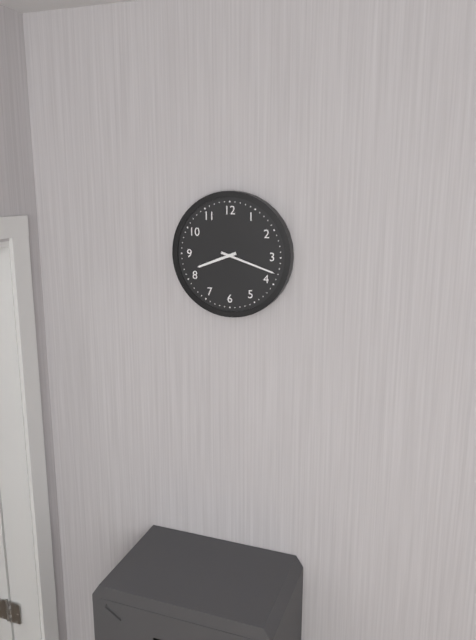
8:18
